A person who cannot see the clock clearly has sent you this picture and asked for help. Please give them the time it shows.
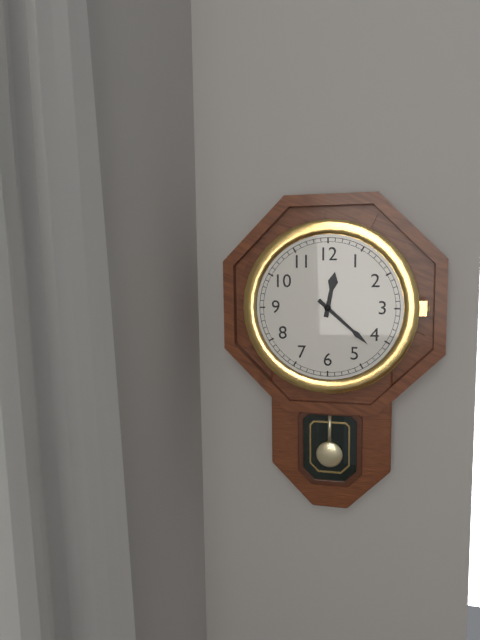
12:22
